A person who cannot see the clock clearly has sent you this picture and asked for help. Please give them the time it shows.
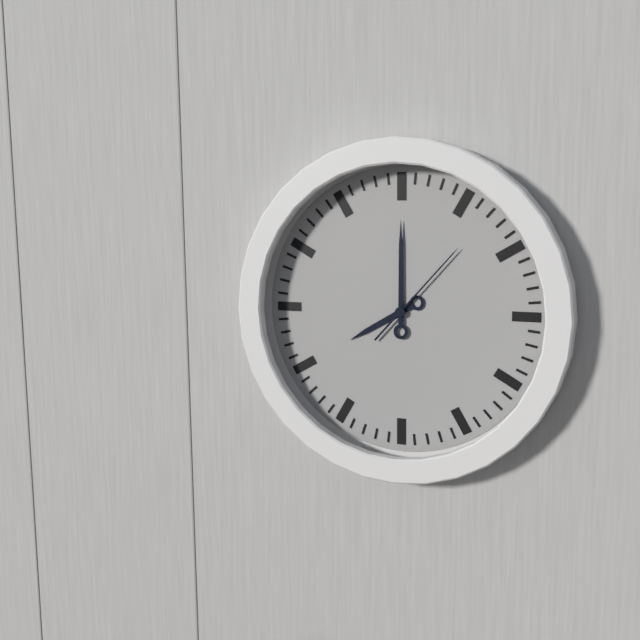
8:00:07
